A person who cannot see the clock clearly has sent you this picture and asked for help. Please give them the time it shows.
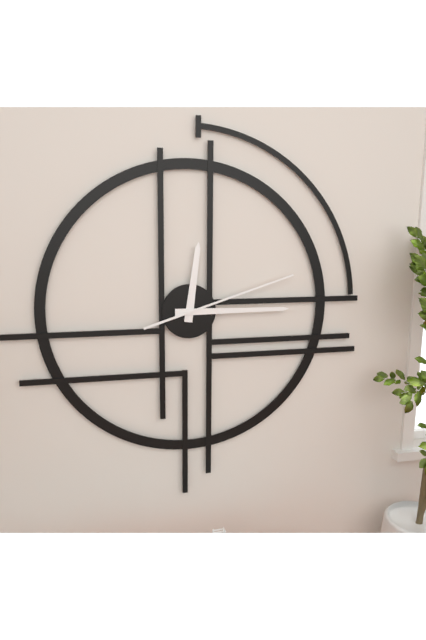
12:15:12
